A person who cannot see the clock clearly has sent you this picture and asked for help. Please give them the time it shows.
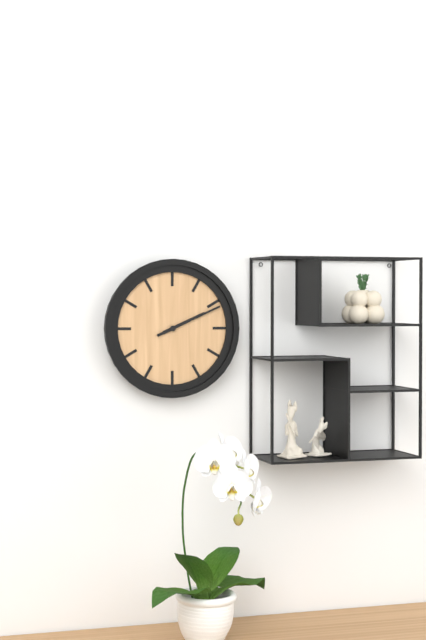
2:11
